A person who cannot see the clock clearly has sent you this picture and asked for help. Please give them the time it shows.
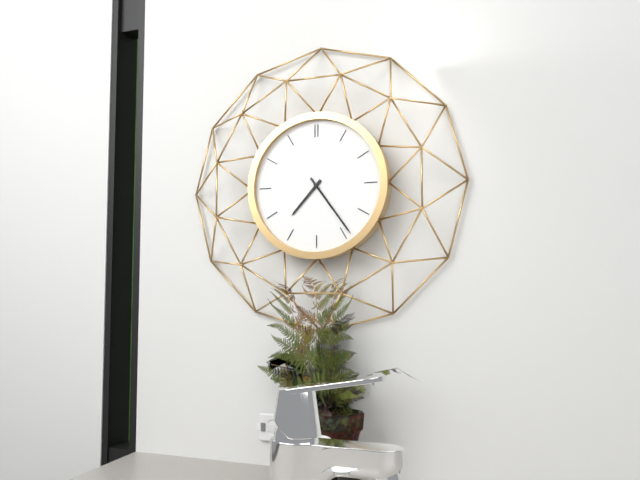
7:24
